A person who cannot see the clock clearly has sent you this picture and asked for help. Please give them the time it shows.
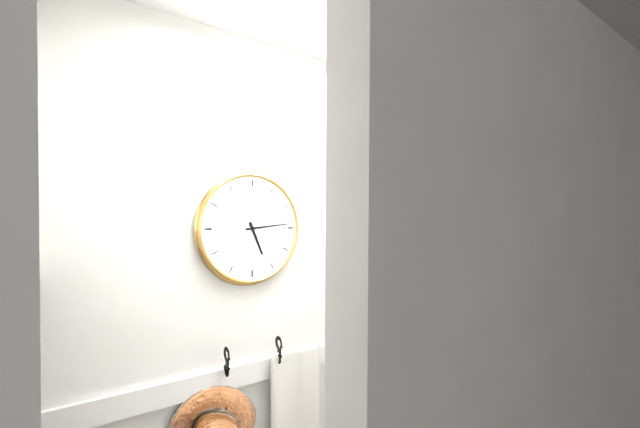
5:14
